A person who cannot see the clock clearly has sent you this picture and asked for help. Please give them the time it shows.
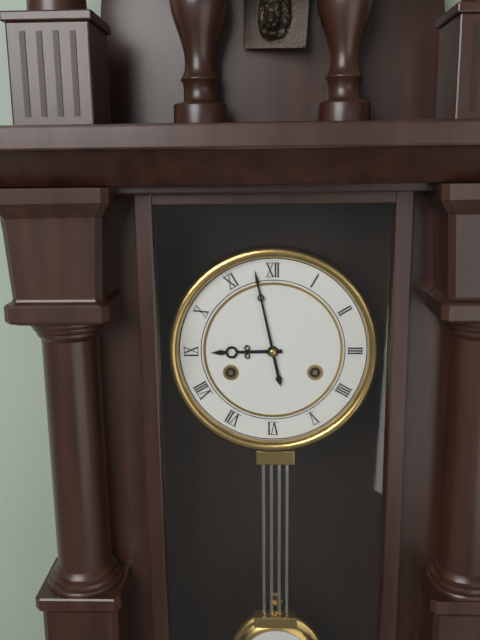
8:58
